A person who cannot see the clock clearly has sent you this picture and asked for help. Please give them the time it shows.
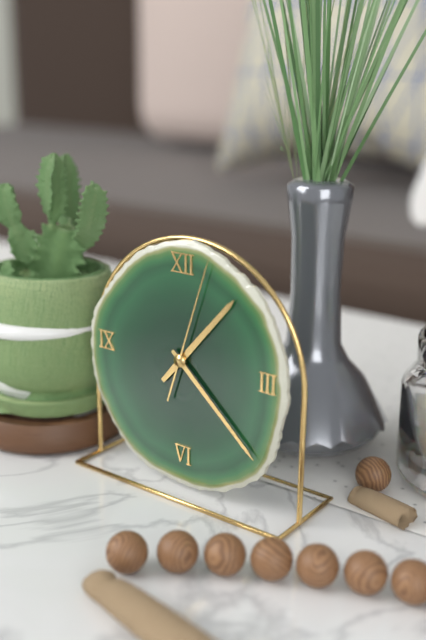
1:22:03
